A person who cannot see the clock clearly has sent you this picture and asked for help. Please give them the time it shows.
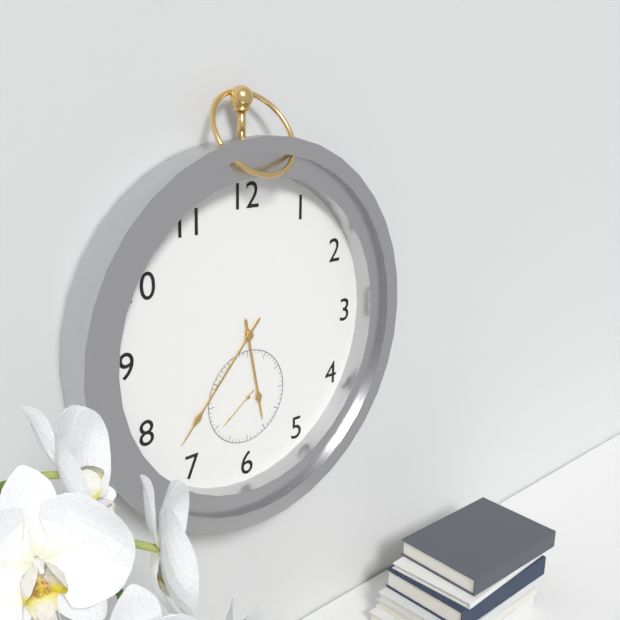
5:37
